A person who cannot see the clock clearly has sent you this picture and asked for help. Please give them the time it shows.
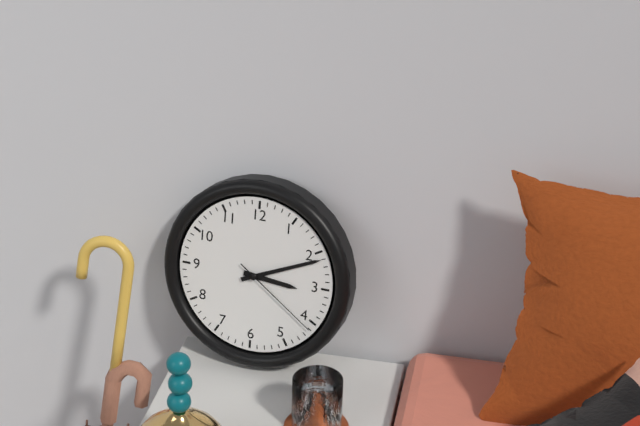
3:11:21
